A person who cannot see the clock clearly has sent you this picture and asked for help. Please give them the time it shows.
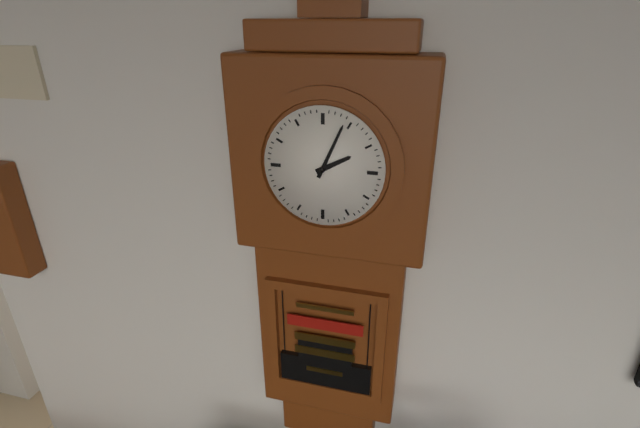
2:04
